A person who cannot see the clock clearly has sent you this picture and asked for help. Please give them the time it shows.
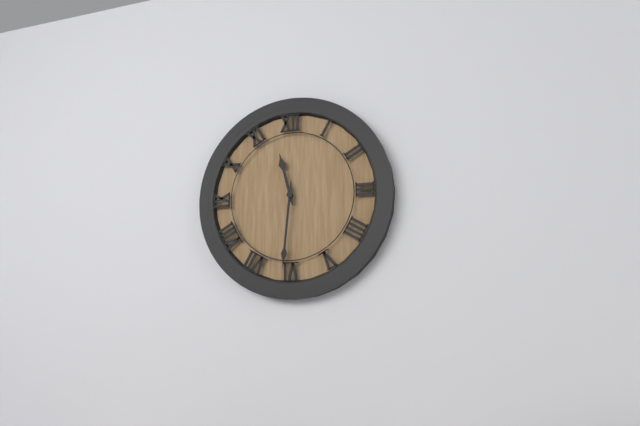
11:31
